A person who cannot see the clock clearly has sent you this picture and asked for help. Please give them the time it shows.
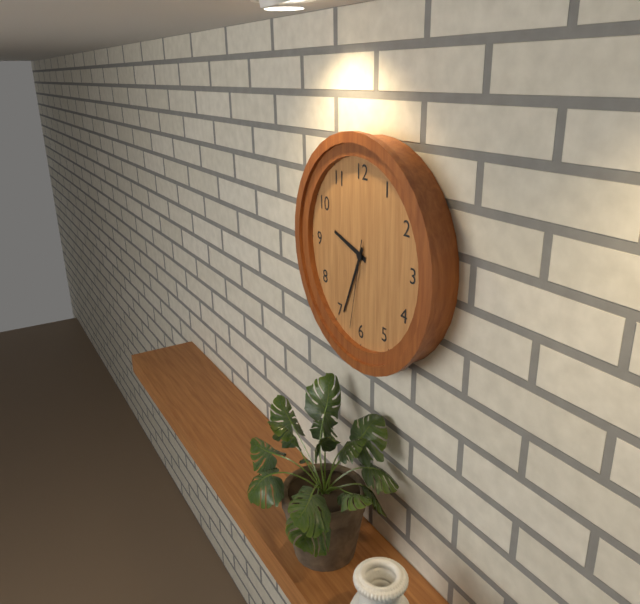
9:34:32
